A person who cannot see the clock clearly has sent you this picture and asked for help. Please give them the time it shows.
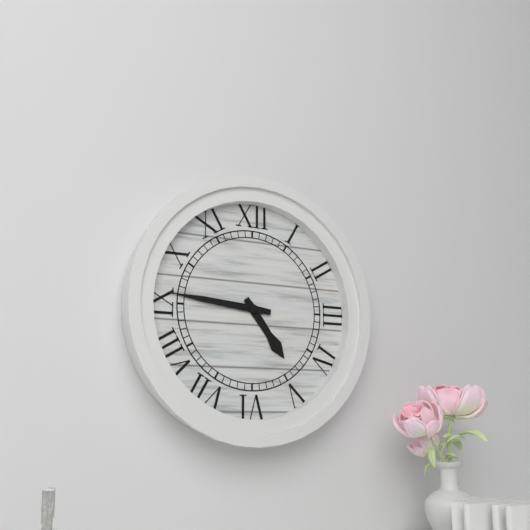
4:46
